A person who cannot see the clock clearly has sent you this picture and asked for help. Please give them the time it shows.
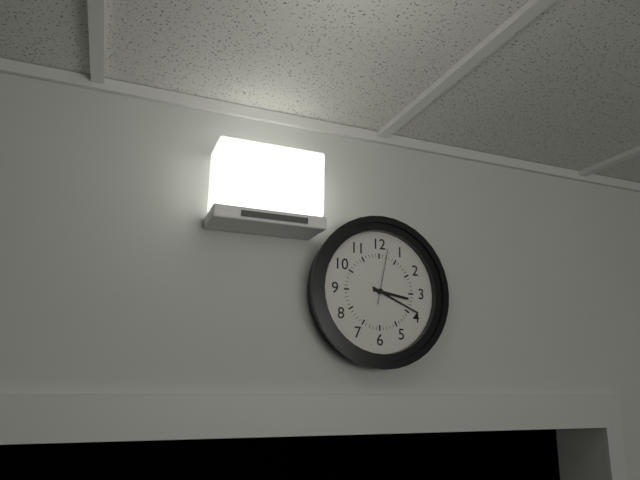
3:19:02
